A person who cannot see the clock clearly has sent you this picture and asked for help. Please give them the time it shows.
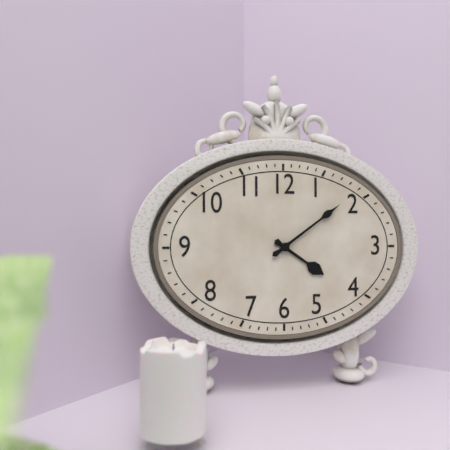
4:09
